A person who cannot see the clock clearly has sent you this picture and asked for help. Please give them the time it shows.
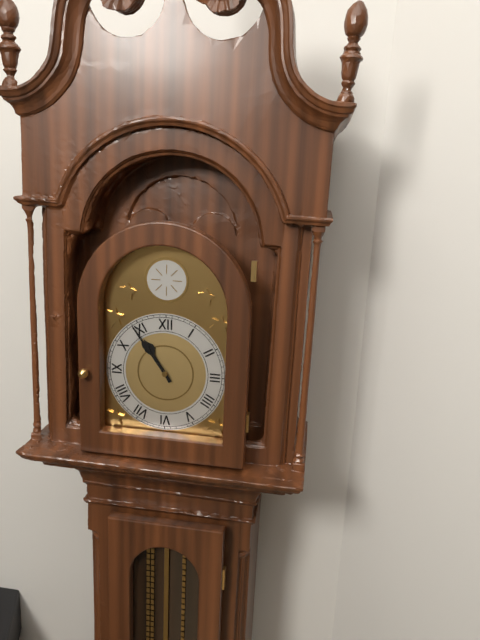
10:54
